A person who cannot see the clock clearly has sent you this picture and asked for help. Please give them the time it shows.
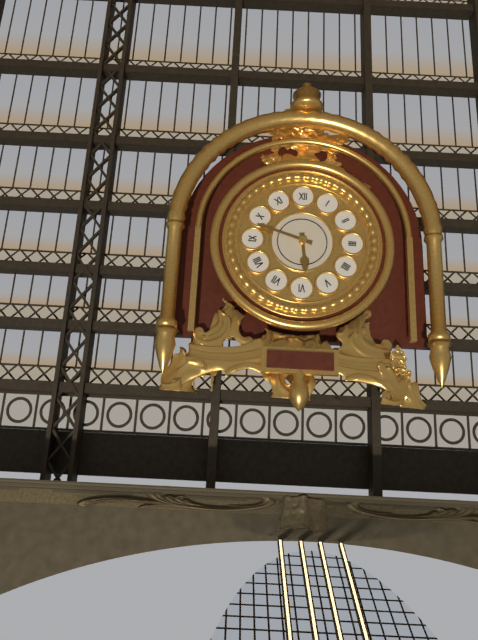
5:48
